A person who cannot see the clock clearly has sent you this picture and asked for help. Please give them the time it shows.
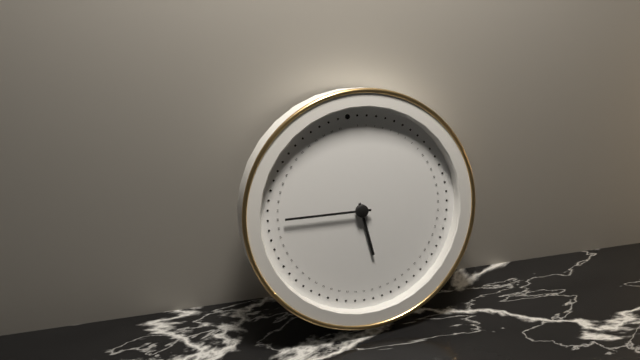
5:46
